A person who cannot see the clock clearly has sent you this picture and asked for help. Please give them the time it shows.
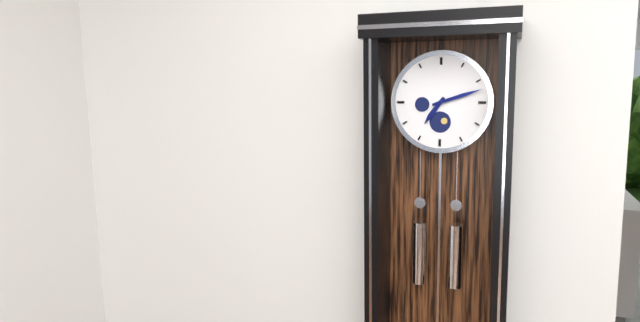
7:12
